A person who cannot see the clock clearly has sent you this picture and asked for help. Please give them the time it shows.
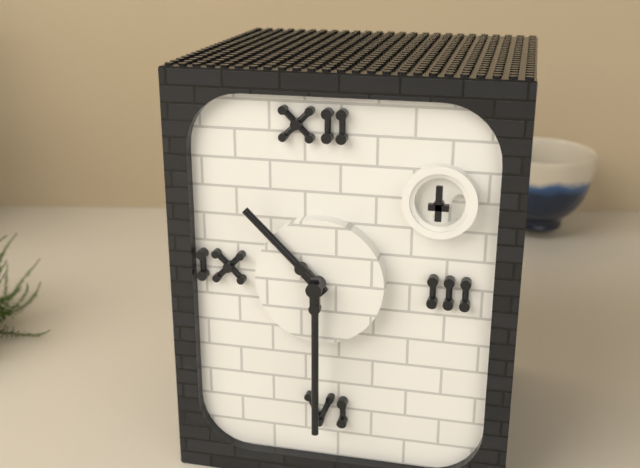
10:30
